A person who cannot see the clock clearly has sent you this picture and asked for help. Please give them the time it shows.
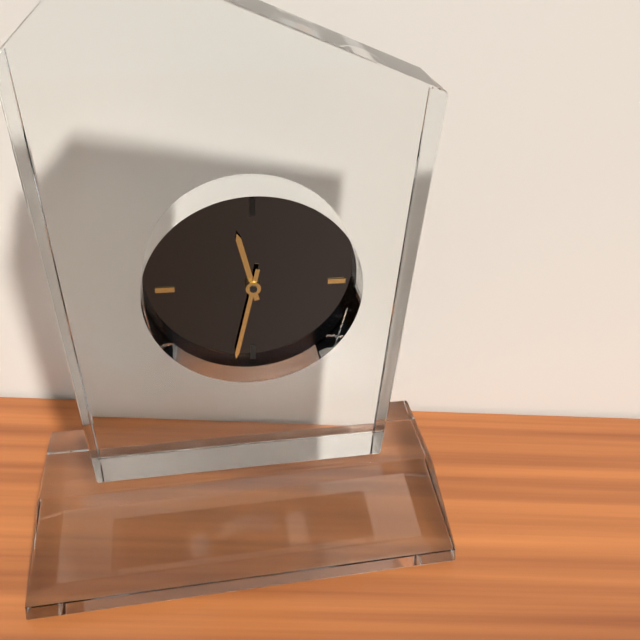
11:32
